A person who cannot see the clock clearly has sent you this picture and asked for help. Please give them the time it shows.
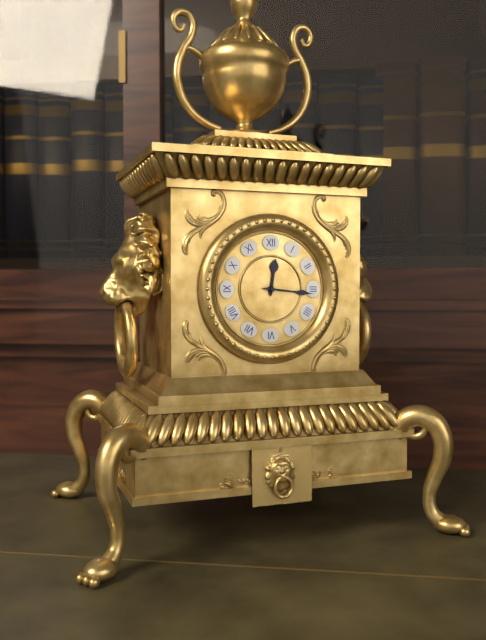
12:16
